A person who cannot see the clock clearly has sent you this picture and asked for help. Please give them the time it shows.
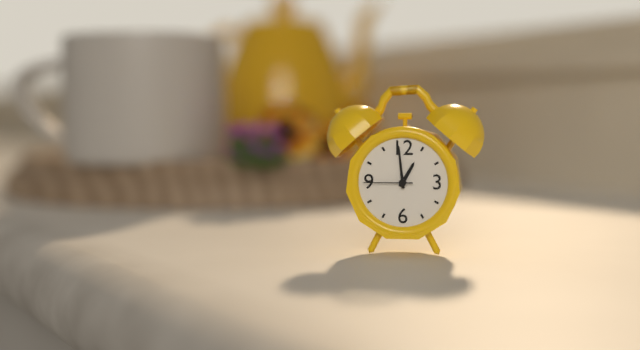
12:59
